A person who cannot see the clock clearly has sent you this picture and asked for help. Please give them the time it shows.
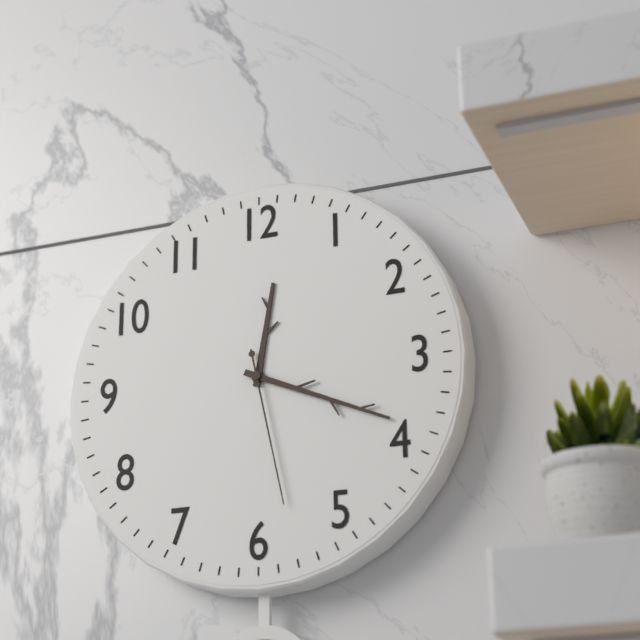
12:19:28
